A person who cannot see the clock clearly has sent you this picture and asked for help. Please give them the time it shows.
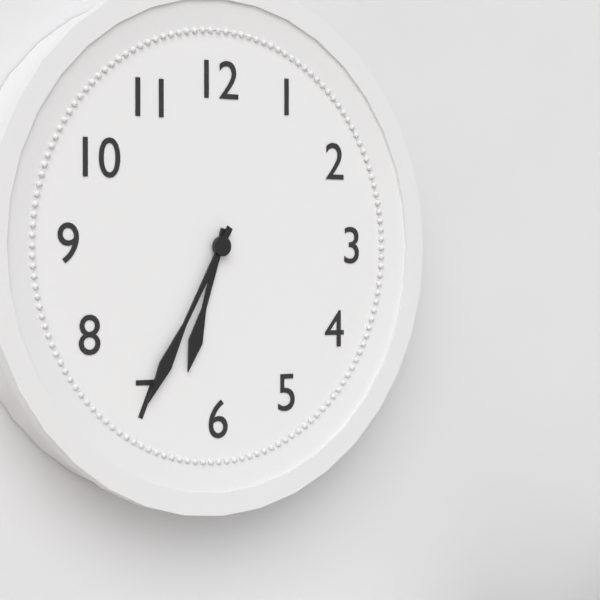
6:35
